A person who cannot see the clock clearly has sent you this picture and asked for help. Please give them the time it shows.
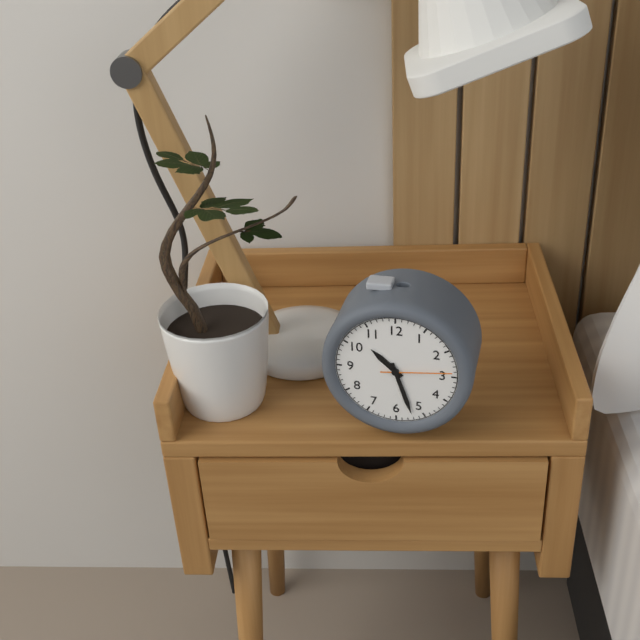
10:27:14
